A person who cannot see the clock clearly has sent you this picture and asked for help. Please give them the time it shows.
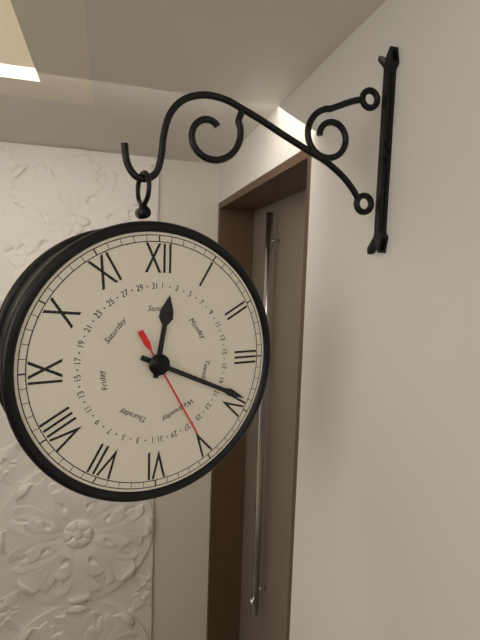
12:19:25
